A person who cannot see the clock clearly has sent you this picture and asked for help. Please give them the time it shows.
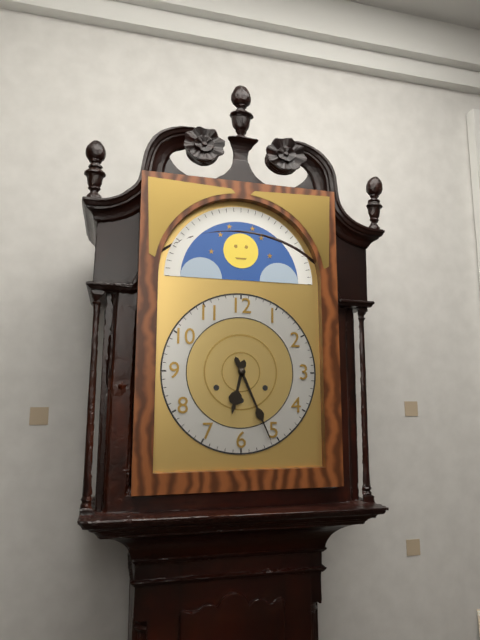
6:26
